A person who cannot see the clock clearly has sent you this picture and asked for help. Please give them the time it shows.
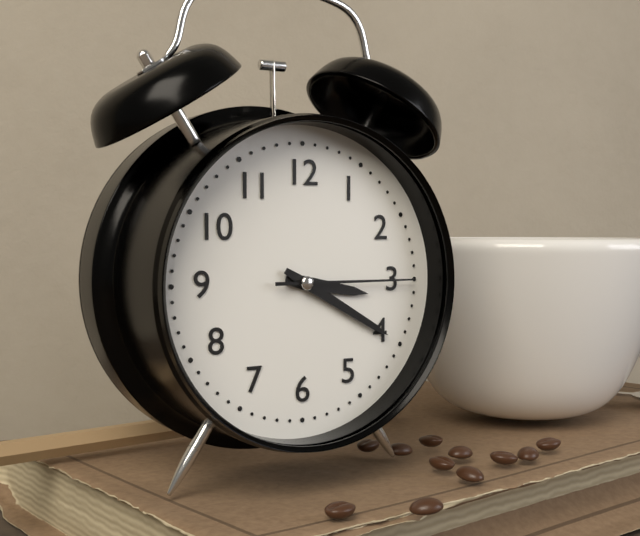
3:20:15
